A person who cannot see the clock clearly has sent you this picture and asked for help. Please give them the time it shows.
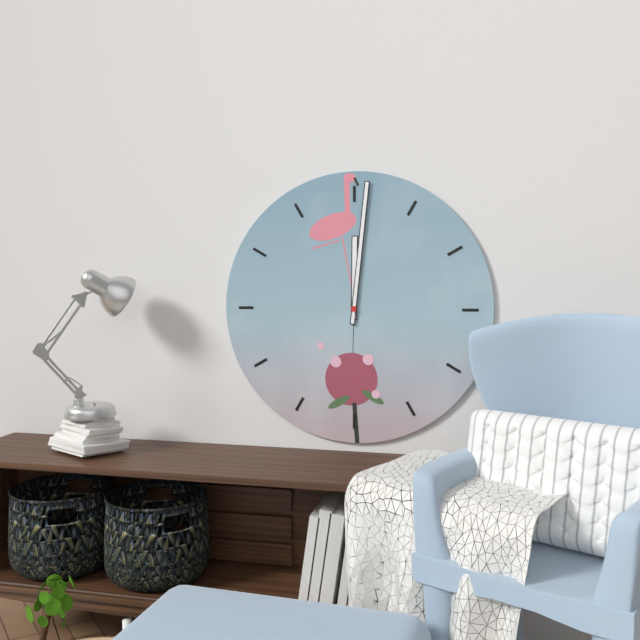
12:01
